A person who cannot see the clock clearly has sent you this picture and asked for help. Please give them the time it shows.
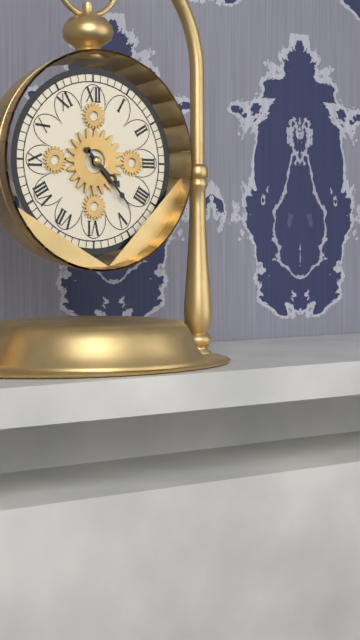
4:23
